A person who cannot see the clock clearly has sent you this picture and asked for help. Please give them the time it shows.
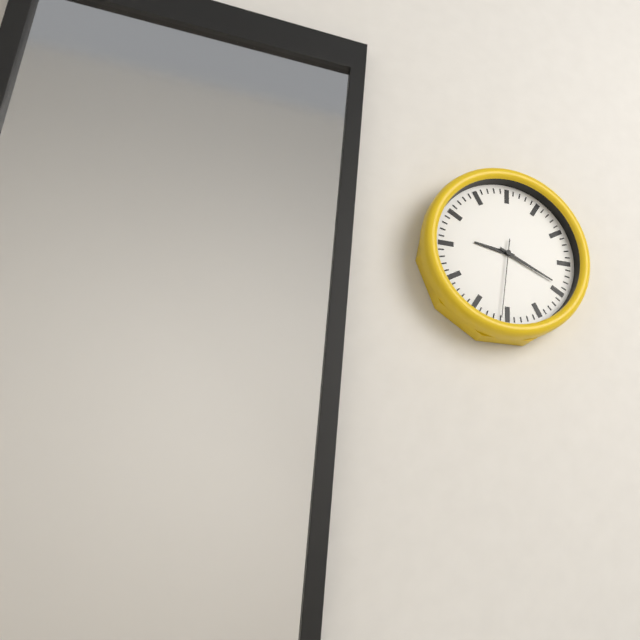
9:19:31
